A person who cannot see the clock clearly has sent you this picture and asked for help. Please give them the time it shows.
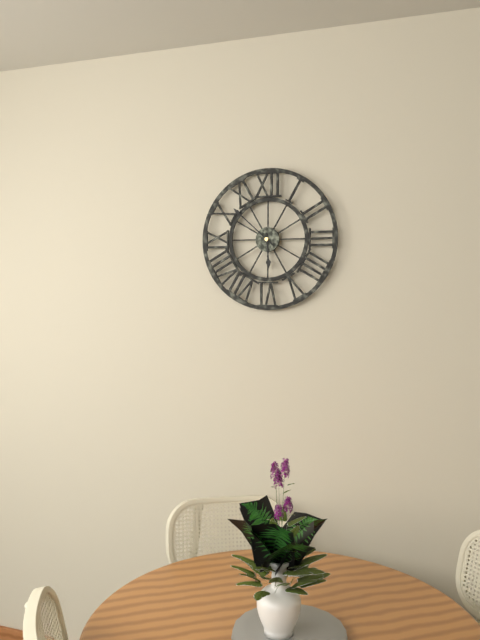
5:52
